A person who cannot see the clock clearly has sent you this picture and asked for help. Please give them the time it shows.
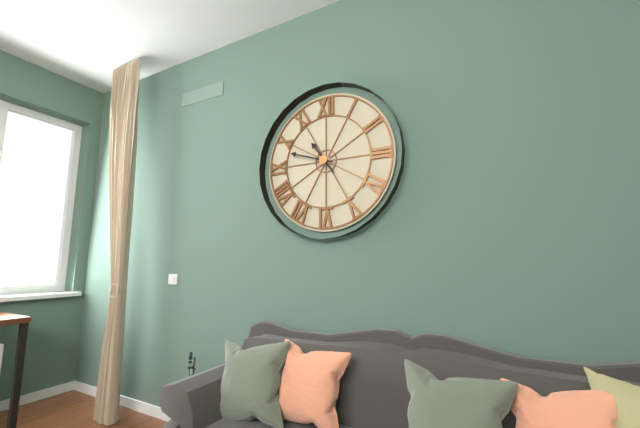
10:48
